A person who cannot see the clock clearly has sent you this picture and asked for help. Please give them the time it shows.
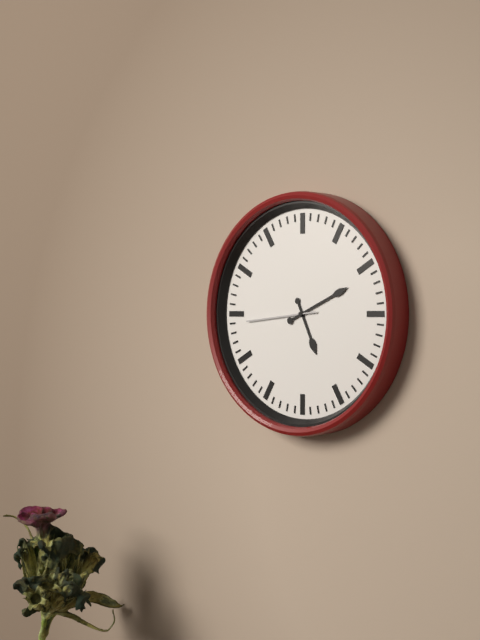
5:11:44
